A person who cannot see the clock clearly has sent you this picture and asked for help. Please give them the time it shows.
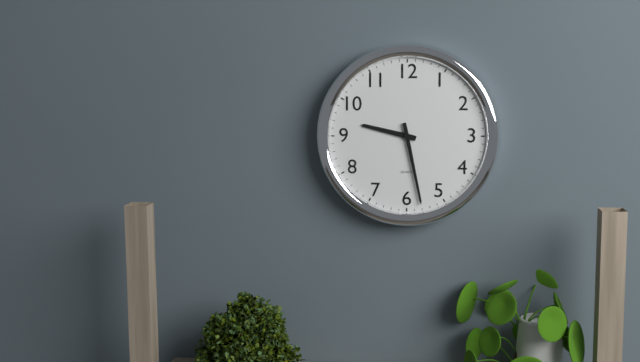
9:28
